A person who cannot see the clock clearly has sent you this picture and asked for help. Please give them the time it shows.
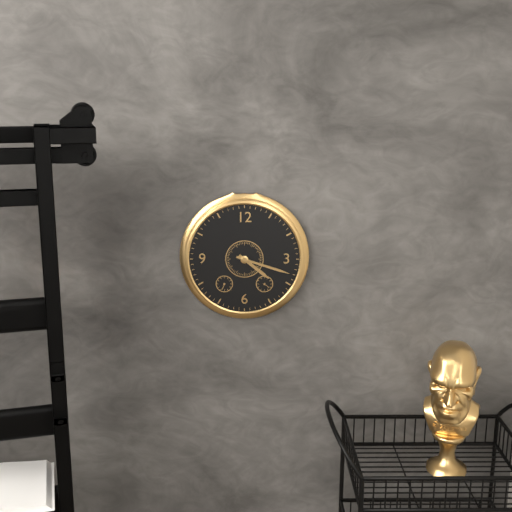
4:18
